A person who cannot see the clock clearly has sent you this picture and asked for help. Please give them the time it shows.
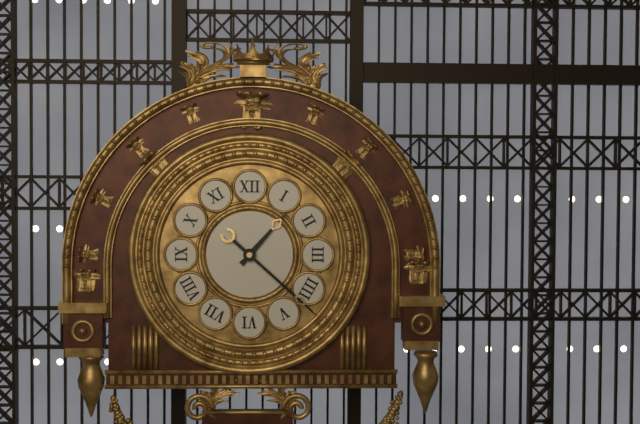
1:22
